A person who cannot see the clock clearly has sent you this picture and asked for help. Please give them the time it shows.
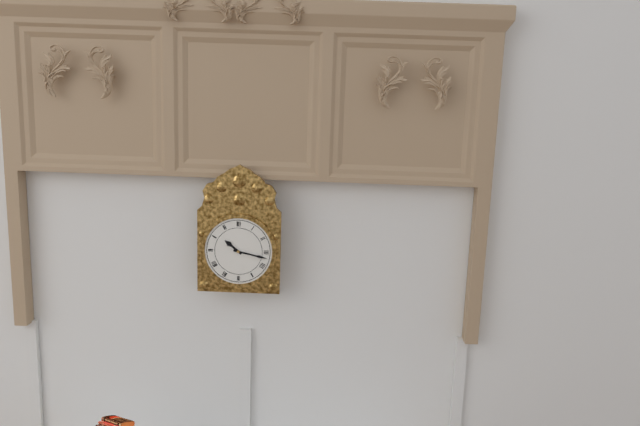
10:17
